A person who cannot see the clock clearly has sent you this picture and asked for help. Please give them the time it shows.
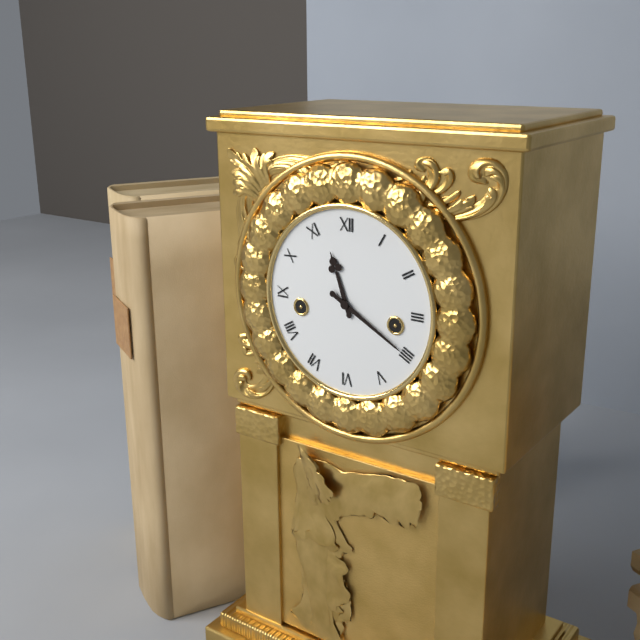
11:20
